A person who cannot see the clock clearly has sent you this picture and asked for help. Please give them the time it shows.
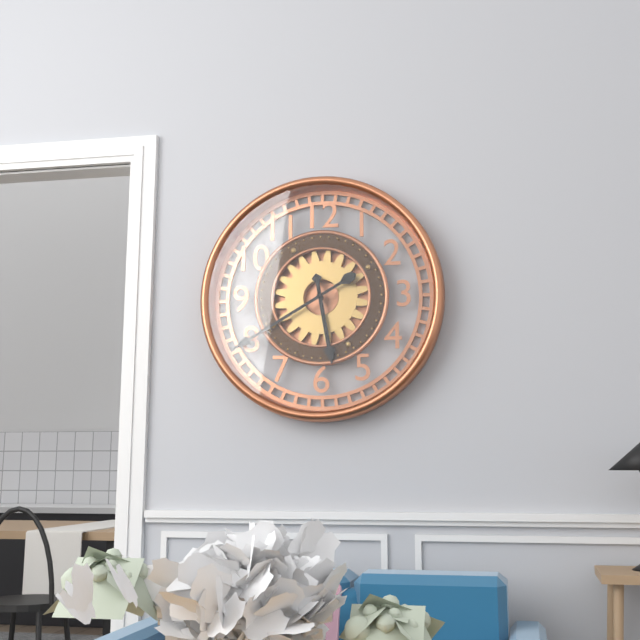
5:40
